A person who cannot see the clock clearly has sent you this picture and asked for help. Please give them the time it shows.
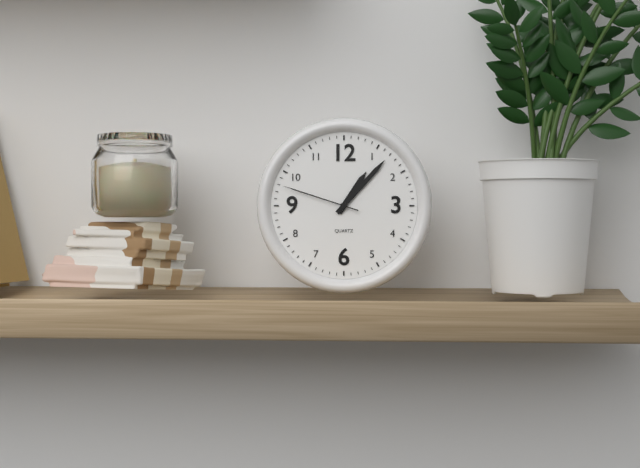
1:07:48
